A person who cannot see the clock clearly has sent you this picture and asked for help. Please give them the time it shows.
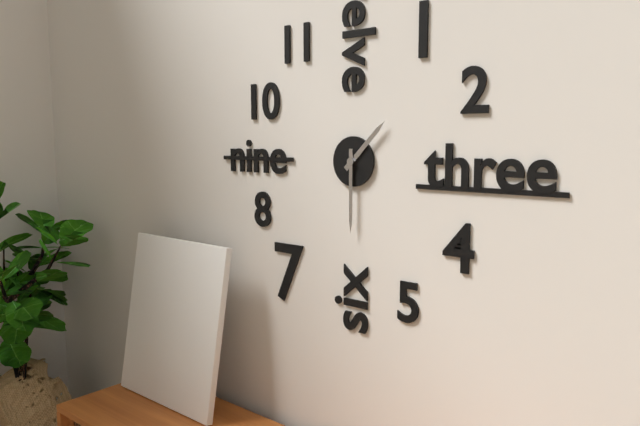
1:30
